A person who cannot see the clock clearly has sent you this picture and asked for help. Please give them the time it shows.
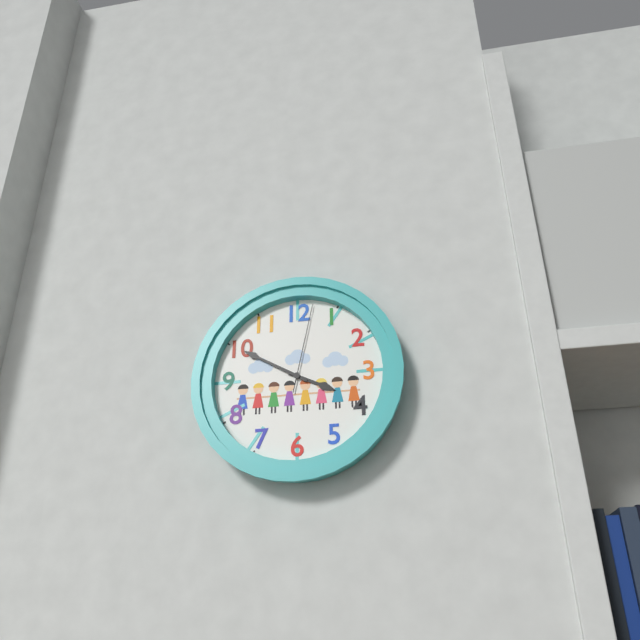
3:50:02
